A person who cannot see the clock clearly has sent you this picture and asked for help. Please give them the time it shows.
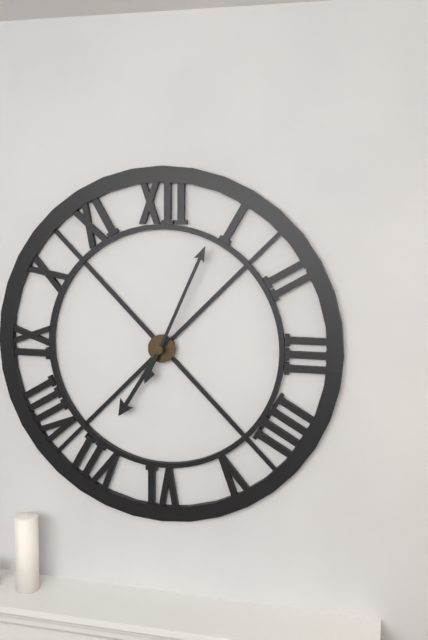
7:04
